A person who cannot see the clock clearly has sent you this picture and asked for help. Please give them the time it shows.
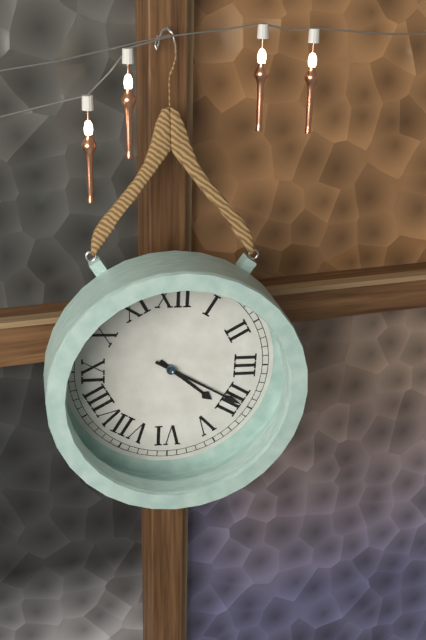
4:20
